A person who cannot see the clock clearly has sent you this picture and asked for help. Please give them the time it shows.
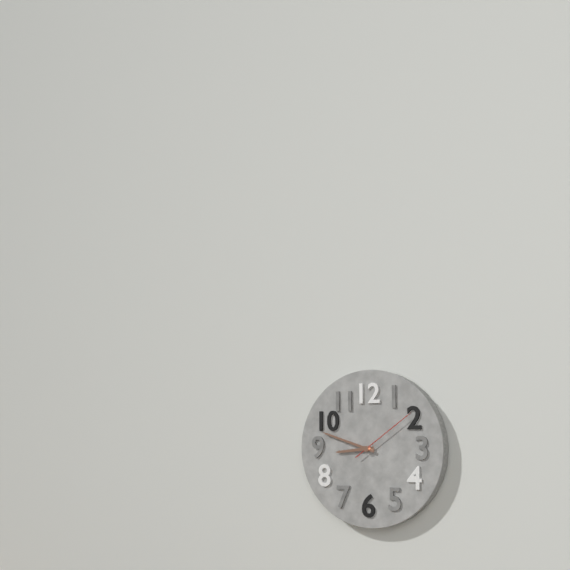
8:48:09
